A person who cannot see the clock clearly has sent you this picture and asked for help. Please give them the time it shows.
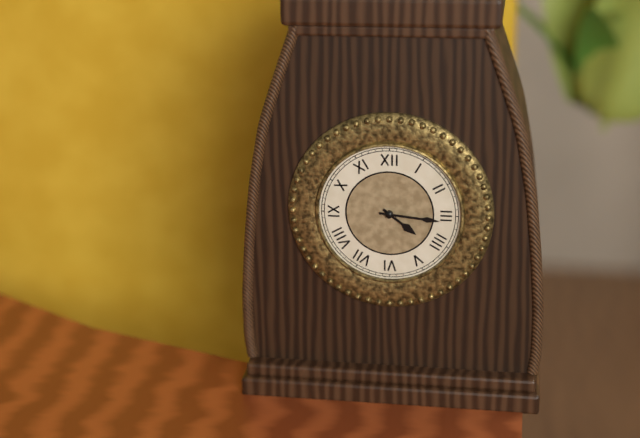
4:16
